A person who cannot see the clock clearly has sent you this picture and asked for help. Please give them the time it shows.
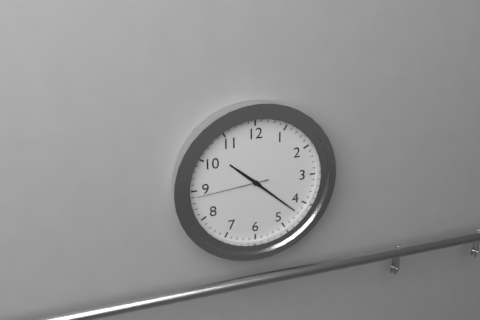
10:22:44
